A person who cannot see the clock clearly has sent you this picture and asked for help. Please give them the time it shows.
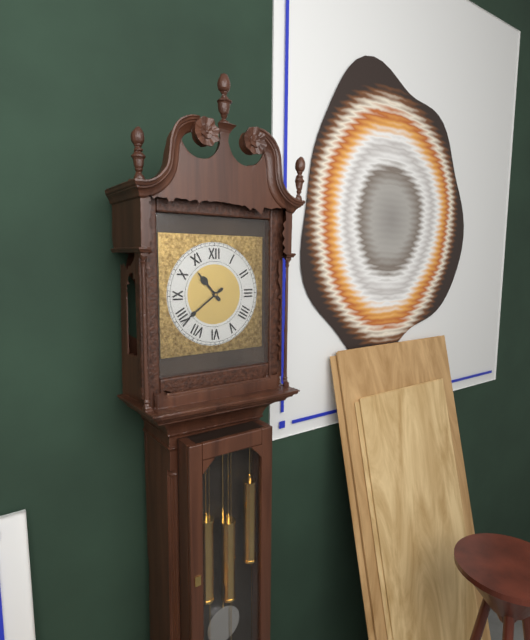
10:39
